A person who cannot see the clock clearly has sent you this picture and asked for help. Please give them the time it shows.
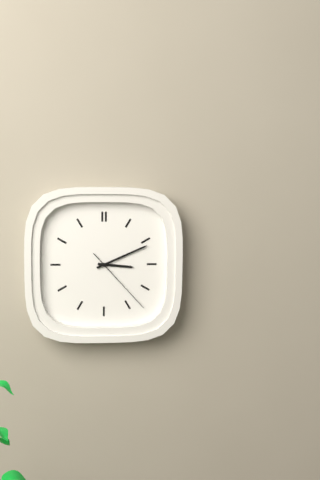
3:11:23
